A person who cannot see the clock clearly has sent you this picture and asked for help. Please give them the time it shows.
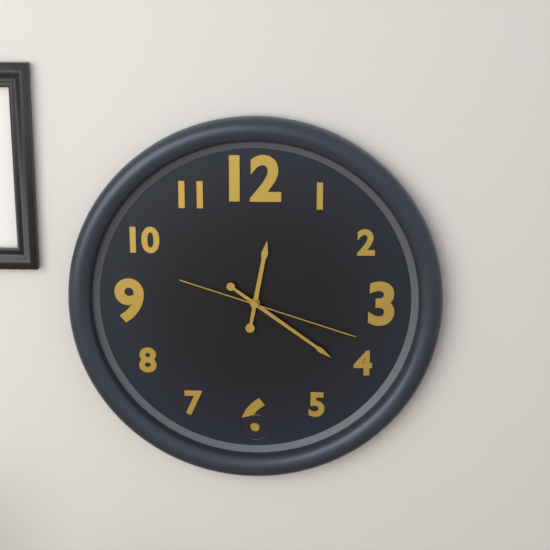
12:21:18
